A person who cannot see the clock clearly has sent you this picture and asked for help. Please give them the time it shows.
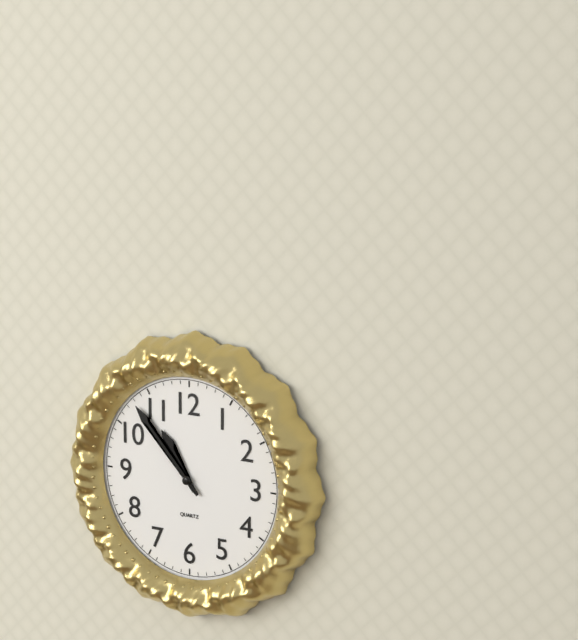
10:53
